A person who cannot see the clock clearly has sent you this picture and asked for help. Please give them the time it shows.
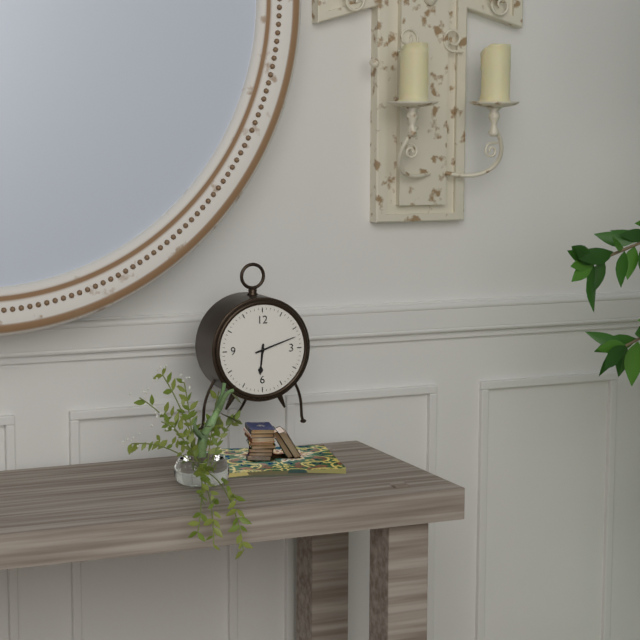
6:12
